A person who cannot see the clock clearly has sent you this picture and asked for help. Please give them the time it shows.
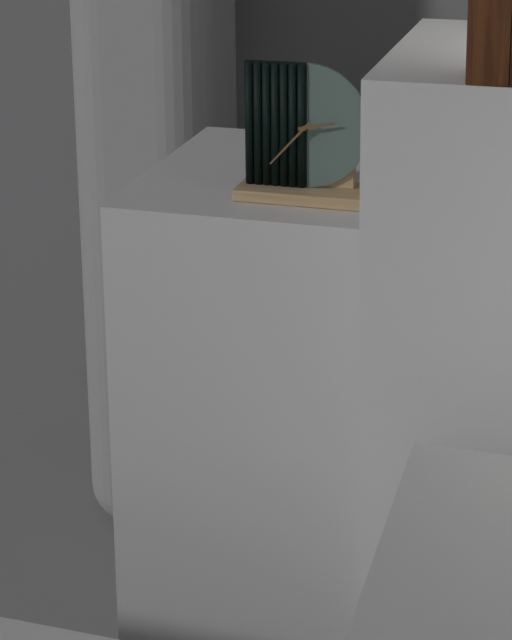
2:37
